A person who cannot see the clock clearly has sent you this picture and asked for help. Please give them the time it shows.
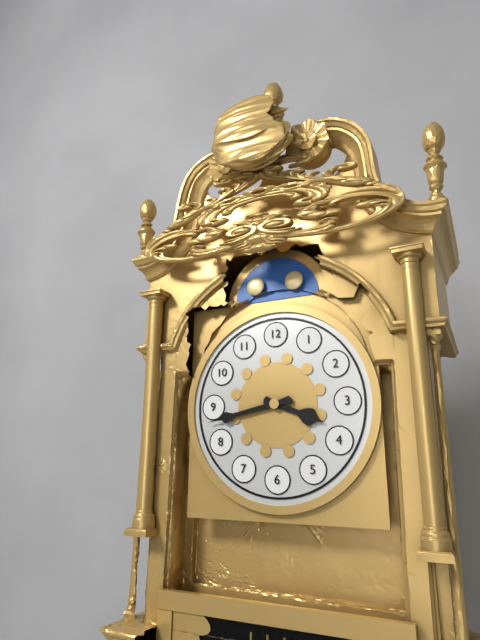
3:43
